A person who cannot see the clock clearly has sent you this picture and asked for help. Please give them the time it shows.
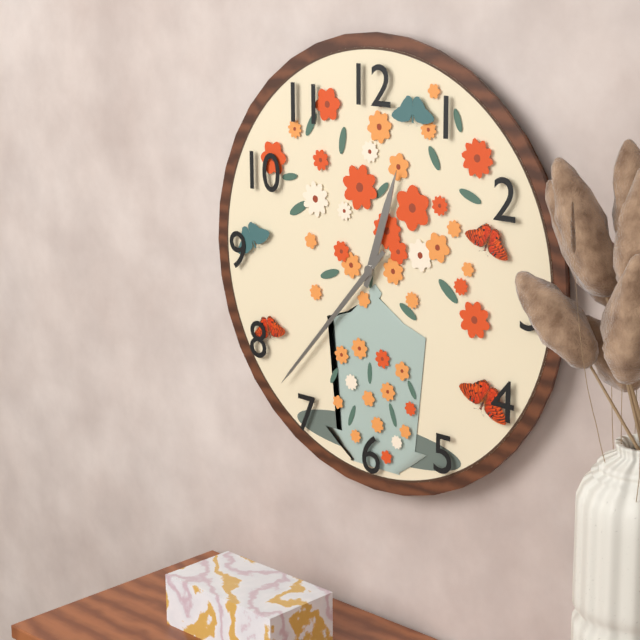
12:37
